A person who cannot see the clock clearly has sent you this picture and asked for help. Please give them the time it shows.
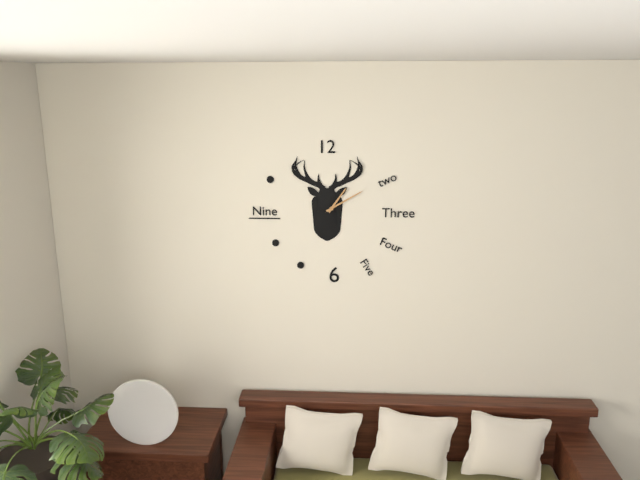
1:10
